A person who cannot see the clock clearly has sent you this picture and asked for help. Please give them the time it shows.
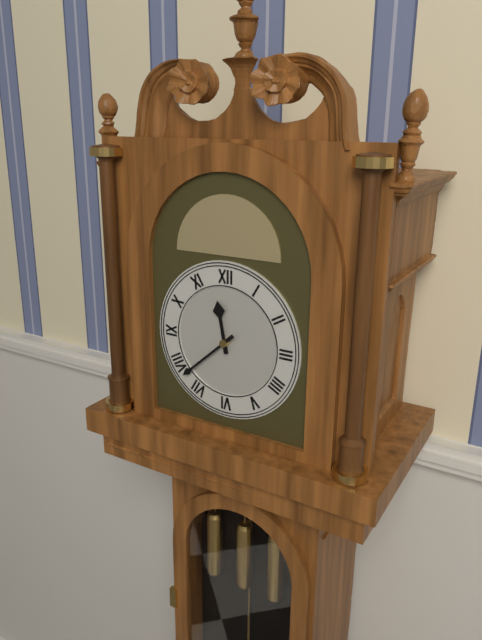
11:38
